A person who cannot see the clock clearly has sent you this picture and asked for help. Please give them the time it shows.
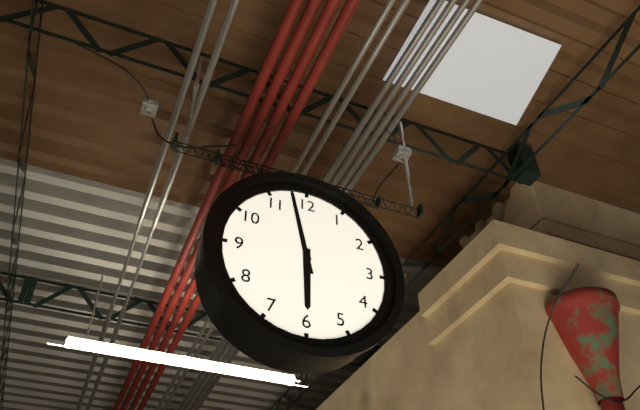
5:58
